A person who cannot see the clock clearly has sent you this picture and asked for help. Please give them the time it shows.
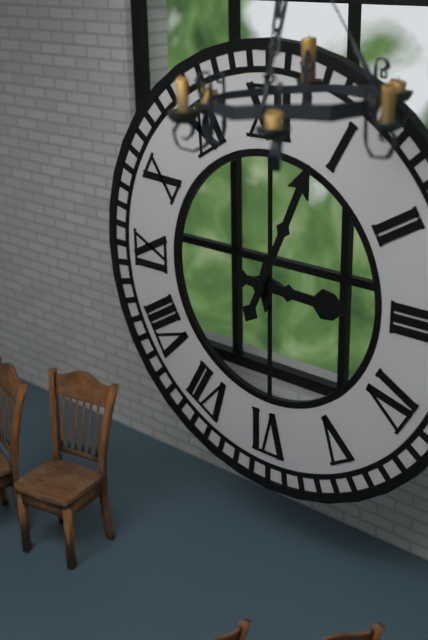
3:04
